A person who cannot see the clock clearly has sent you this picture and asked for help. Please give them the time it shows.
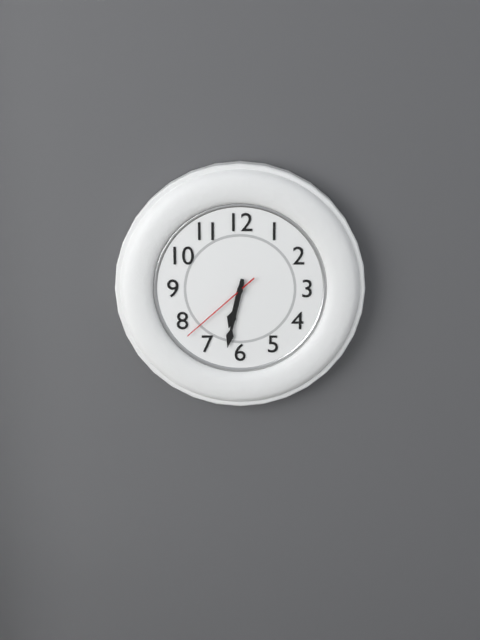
6:32:38
